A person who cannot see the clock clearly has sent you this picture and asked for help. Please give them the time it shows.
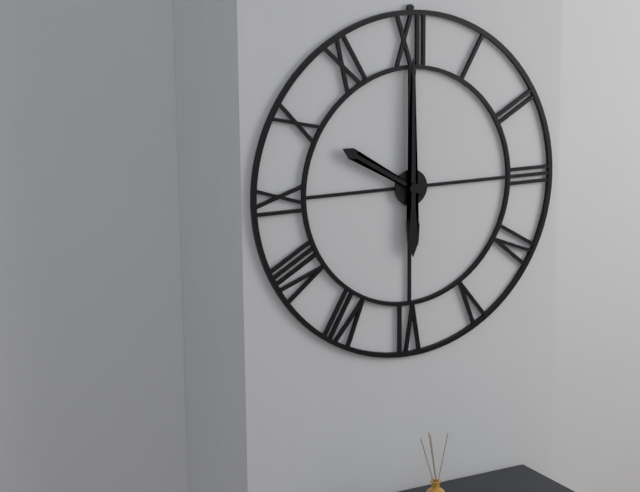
10:00
